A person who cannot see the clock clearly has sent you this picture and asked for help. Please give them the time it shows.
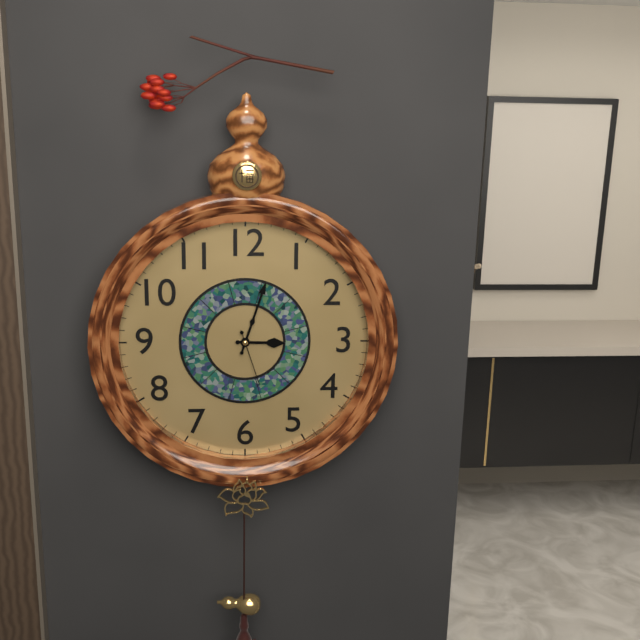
3:03:27
